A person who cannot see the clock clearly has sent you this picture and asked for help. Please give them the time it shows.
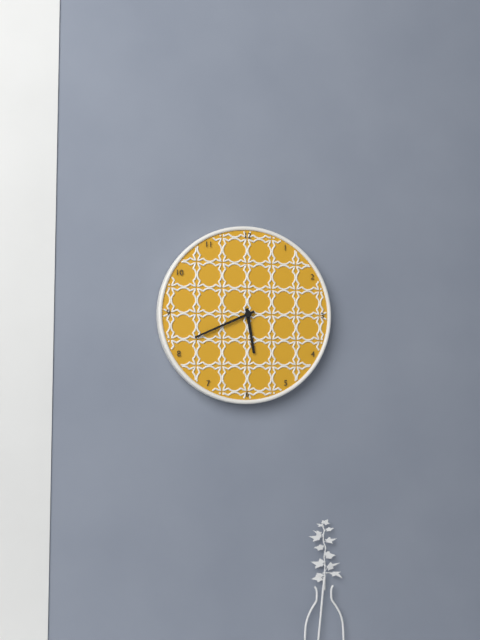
5:41
